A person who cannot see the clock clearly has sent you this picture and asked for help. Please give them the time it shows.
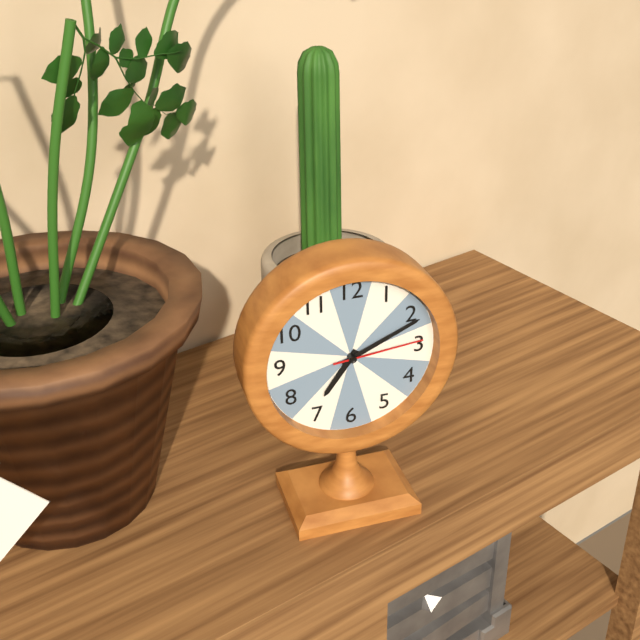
7:11:14
